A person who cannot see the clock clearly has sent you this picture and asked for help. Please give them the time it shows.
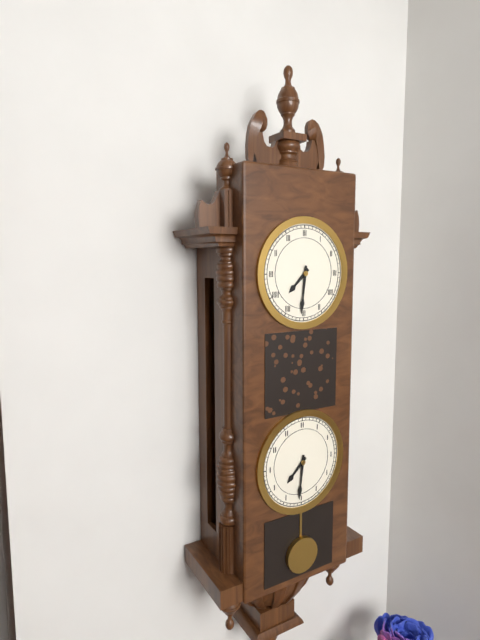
7:31
